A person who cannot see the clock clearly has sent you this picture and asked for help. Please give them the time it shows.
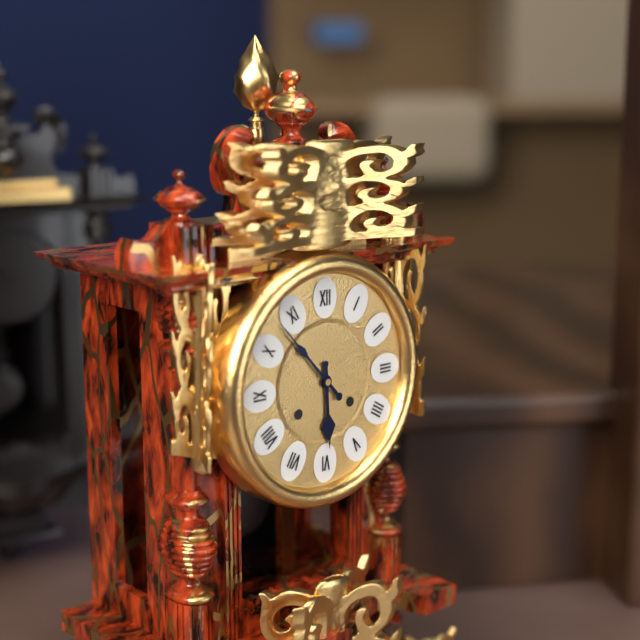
5:53
